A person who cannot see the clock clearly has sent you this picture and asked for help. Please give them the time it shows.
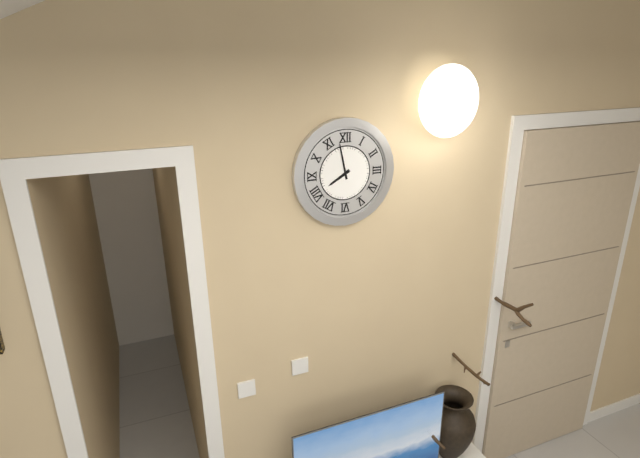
7:58
